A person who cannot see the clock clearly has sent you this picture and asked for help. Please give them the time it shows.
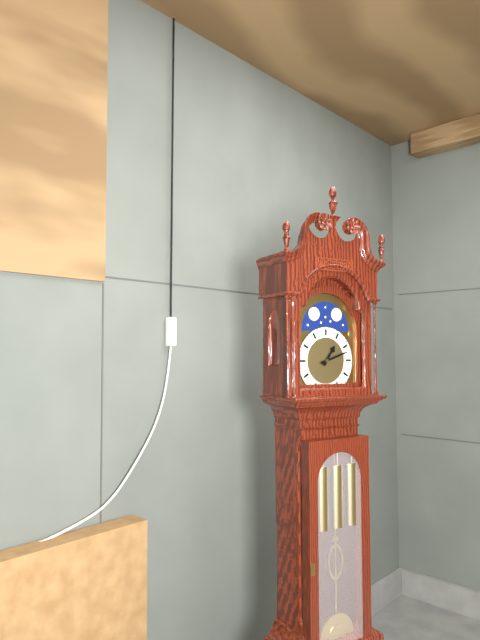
1:12
